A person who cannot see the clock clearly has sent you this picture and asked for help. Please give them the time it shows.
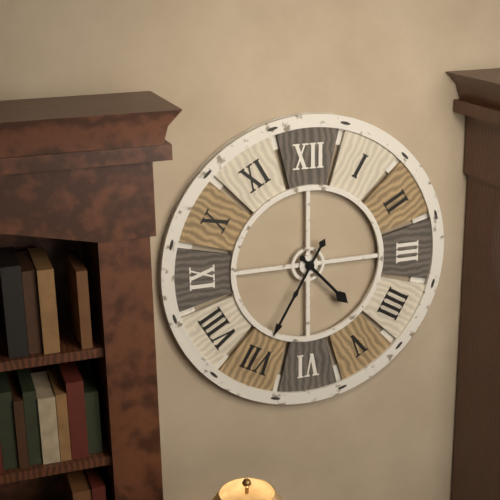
4:35
